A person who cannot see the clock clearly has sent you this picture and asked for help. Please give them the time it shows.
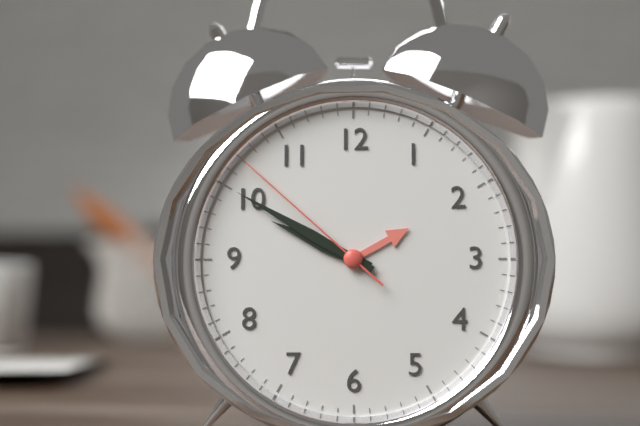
9:50:52
